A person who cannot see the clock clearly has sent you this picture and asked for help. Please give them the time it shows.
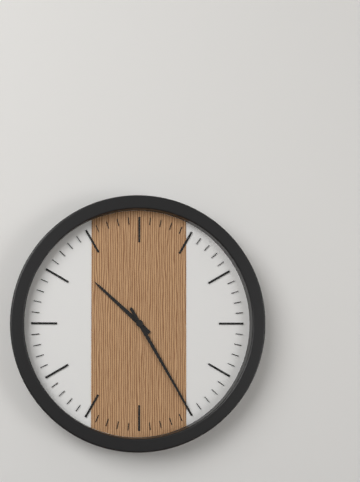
10:25
